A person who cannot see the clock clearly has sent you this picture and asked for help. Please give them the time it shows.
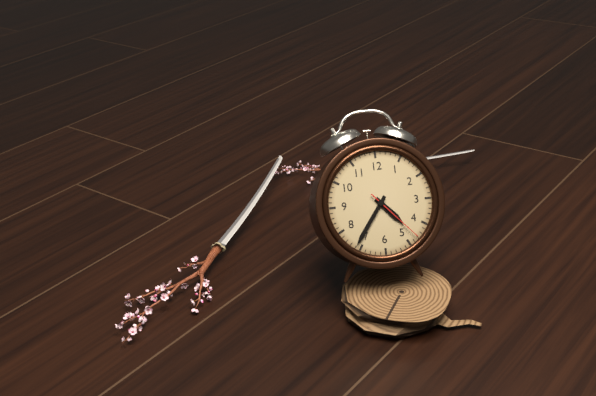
4:36:23
